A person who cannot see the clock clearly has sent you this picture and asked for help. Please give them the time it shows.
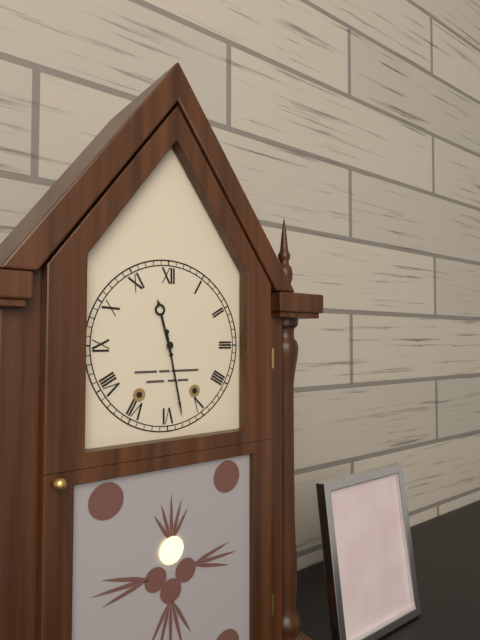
11:28
